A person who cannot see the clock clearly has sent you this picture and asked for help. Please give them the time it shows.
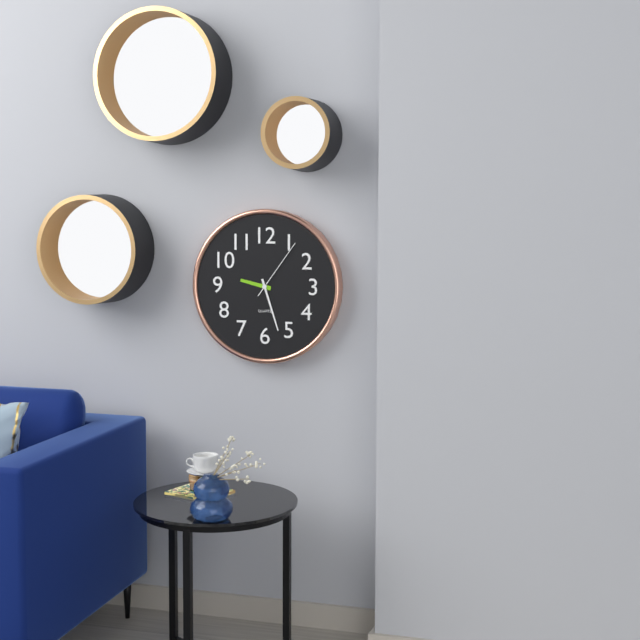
9:27:06
